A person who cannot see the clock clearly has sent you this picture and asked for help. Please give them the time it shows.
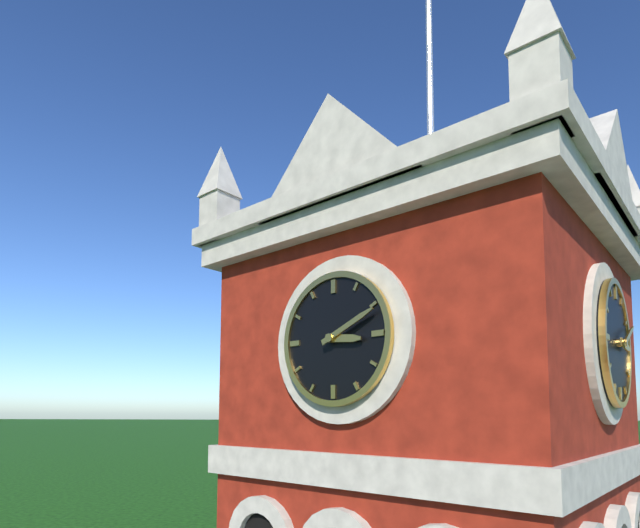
3:11
